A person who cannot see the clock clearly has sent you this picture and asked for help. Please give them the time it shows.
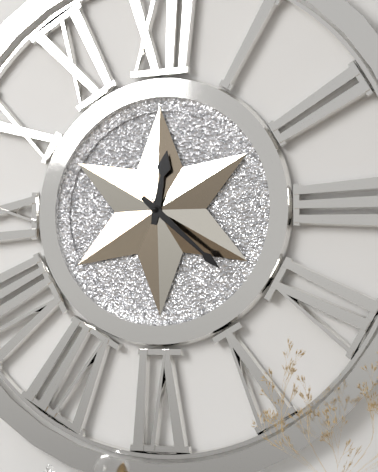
12:22
